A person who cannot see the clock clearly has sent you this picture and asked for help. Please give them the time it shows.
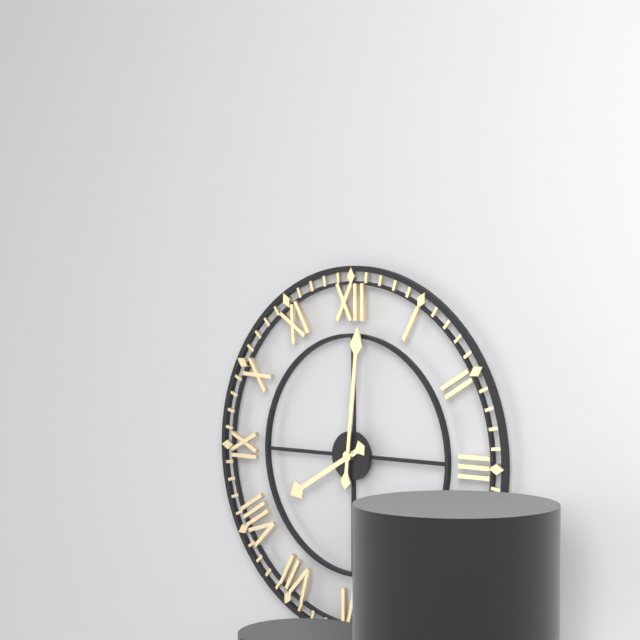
8:01
